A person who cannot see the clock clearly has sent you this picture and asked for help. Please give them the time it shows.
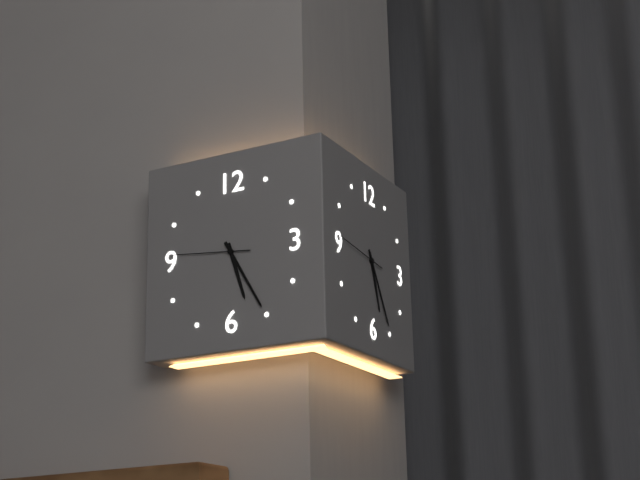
5:25:46
